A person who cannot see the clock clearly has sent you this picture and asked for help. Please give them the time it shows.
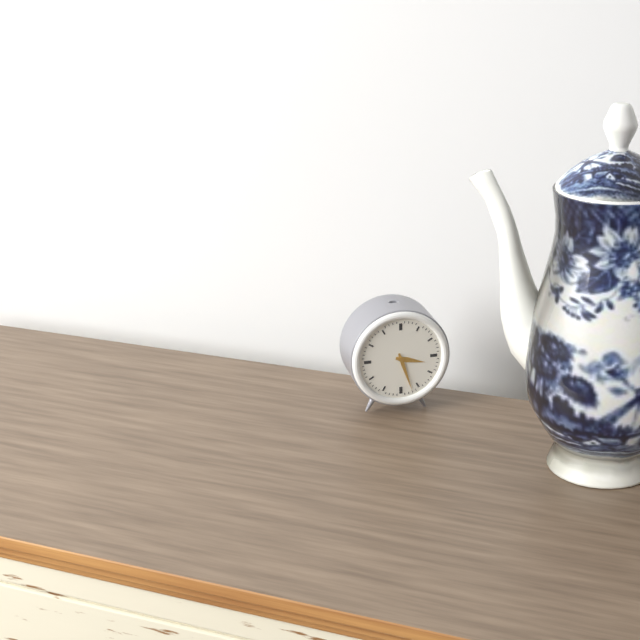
3:27
